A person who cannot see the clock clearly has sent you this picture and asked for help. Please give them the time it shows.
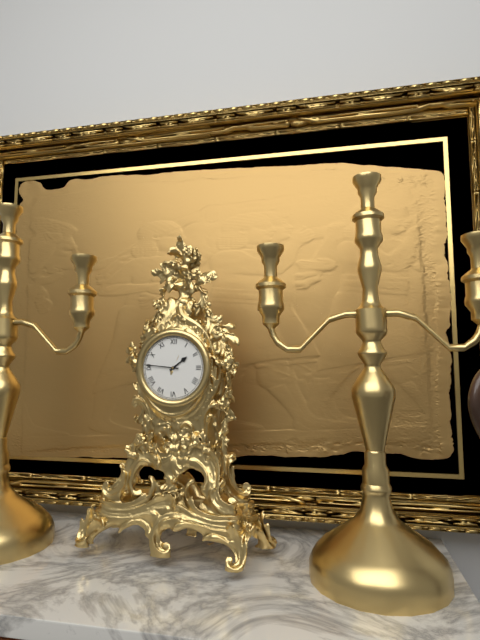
1:46
